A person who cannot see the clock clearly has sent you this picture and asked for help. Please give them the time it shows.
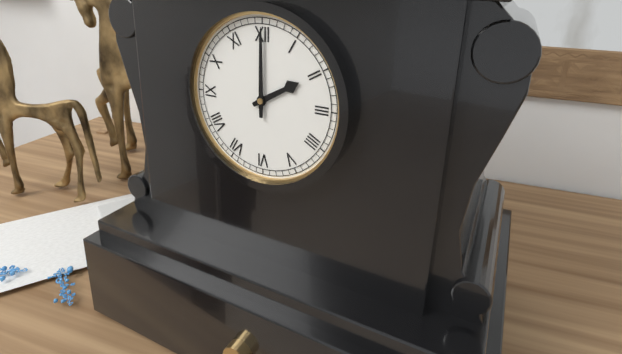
2:00
